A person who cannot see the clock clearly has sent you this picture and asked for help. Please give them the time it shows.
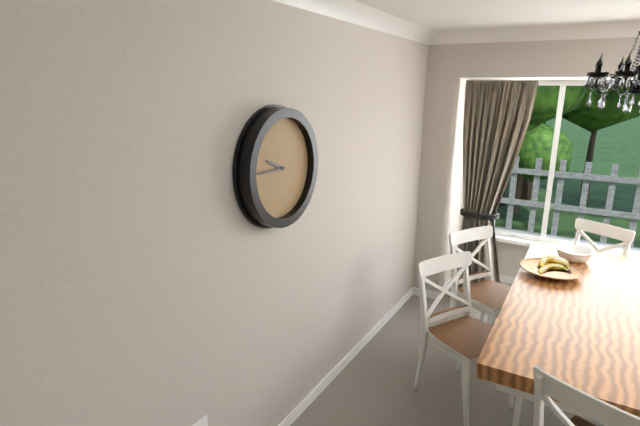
9:45
